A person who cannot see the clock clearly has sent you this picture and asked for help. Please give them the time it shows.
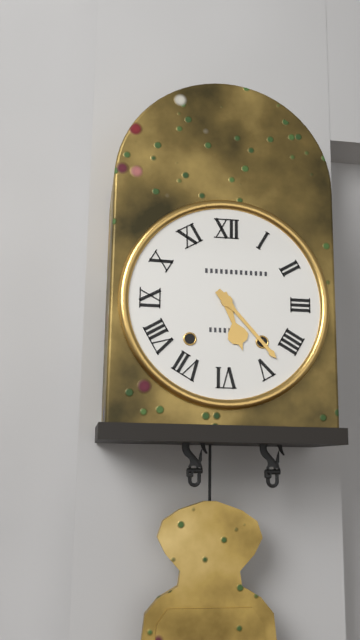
5:23
